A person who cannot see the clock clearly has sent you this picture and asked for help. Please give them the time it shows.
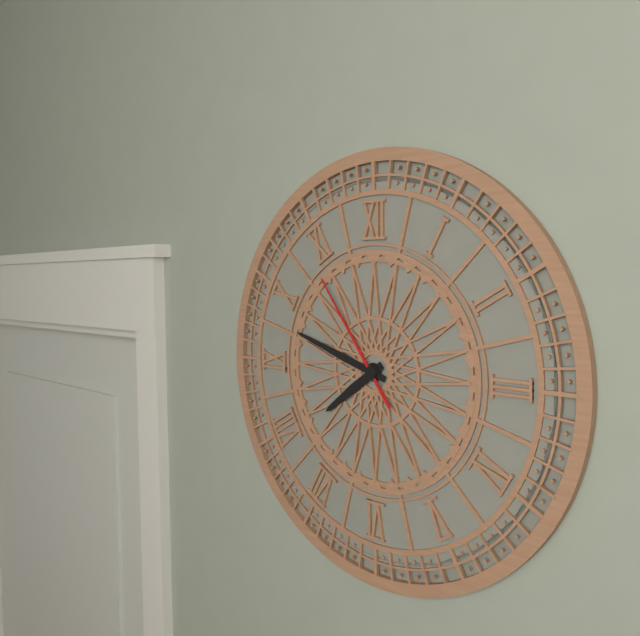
7:48:54
